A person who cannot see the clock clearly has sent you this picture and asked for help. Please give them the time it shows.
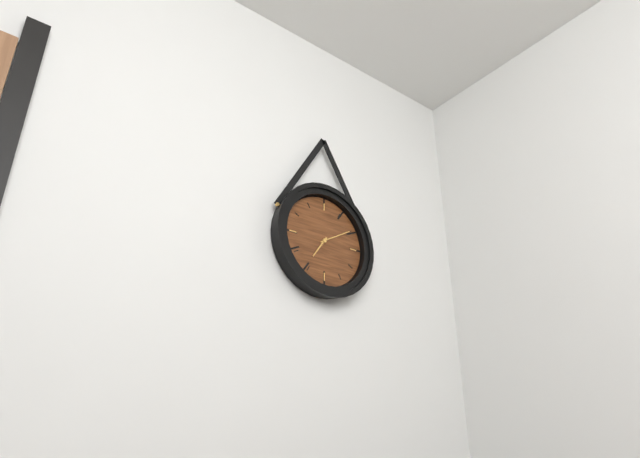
7:10
